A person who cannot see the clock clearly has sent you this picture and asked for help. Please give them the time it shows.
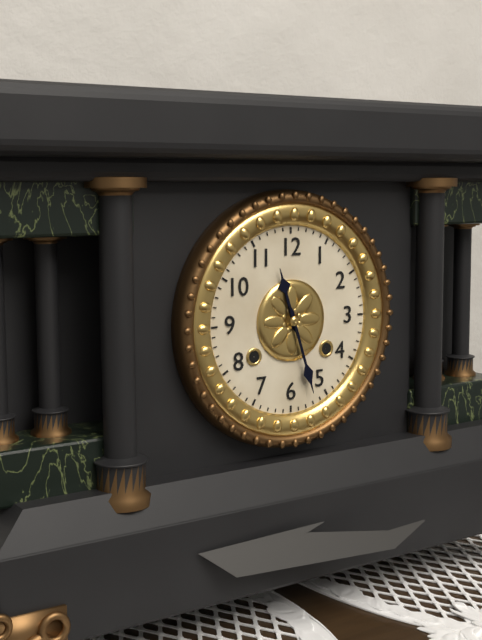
11:27
